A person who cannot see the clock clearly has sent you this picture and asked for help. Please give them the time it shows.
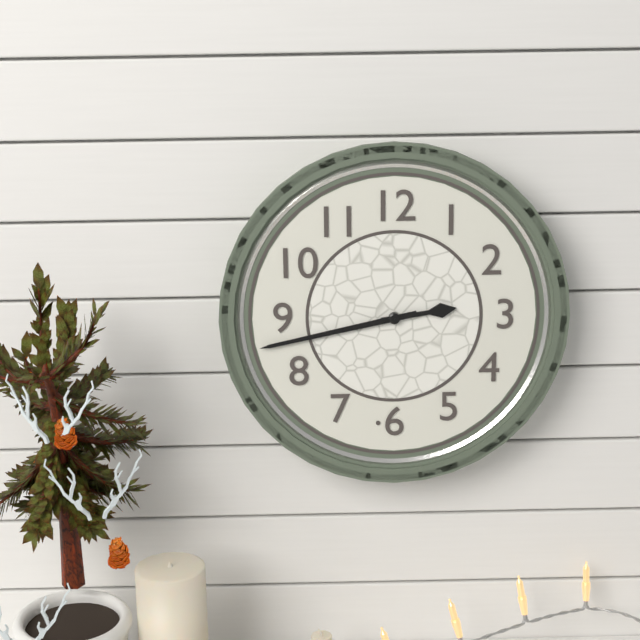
2:43
